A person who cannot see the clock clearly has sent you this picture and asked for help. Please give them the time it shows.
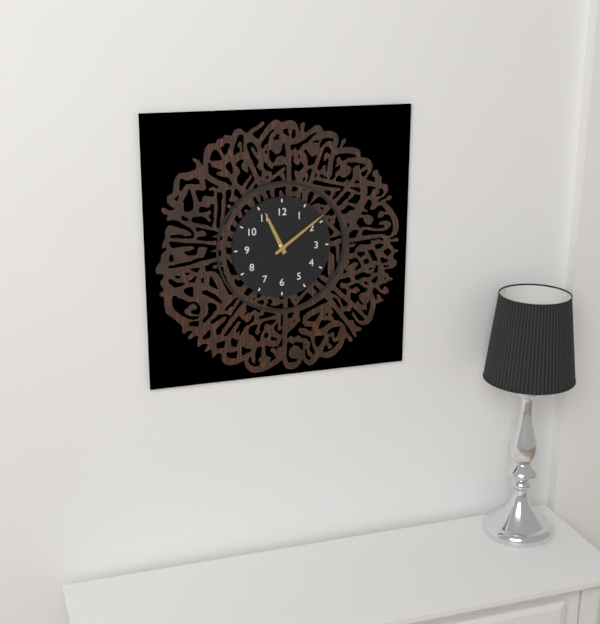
11:09
